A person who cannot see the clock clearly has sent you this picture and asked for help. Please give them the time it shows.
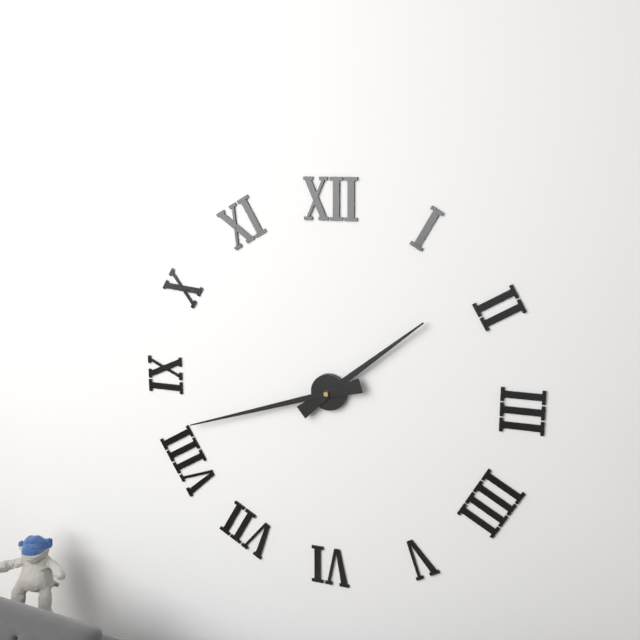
1:42
